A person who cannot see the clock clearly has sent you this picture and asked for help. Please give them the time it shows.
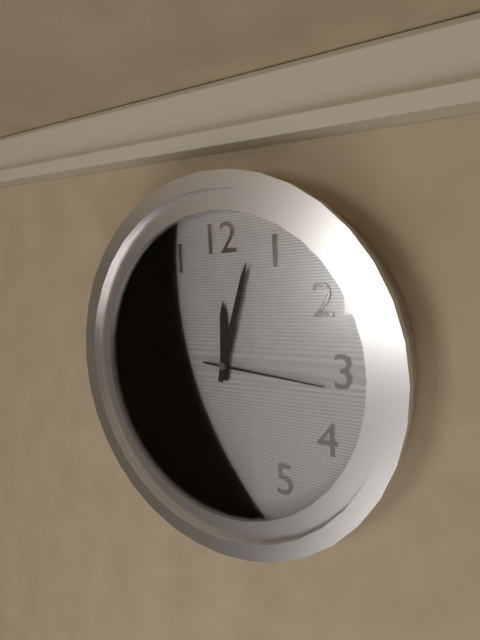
12:03:16
